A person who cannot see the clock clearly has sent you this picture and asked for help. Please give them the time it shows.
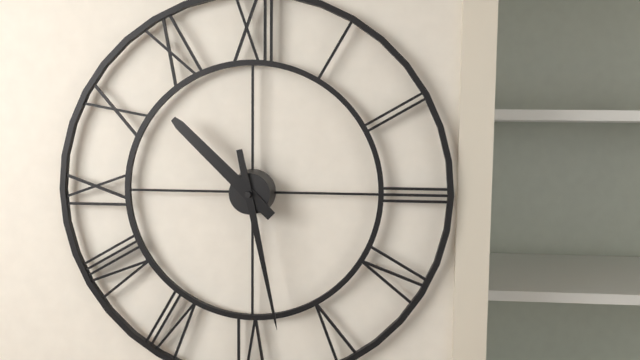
10:28
